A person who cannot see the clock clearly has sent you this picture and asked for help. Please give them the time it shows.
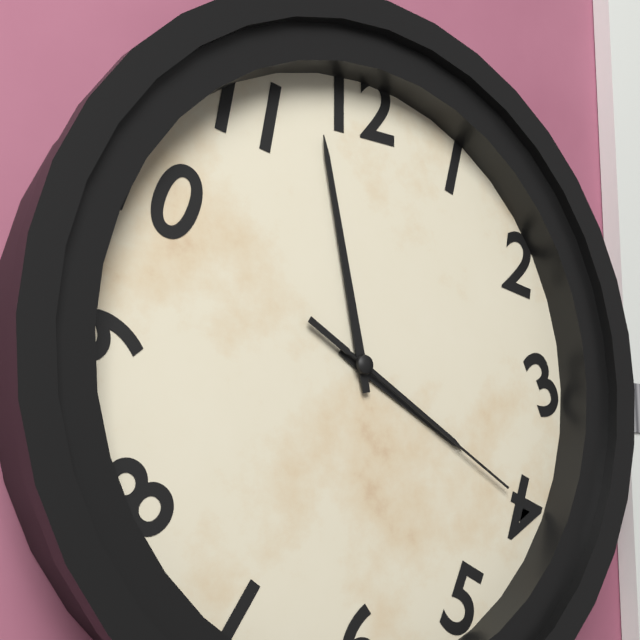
3:58:20
